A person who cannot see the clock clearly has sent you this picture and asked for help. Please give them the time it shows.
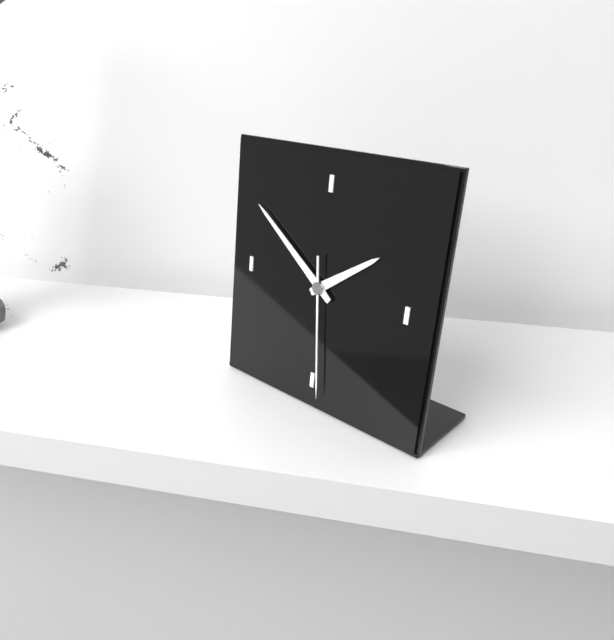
1:51:29
